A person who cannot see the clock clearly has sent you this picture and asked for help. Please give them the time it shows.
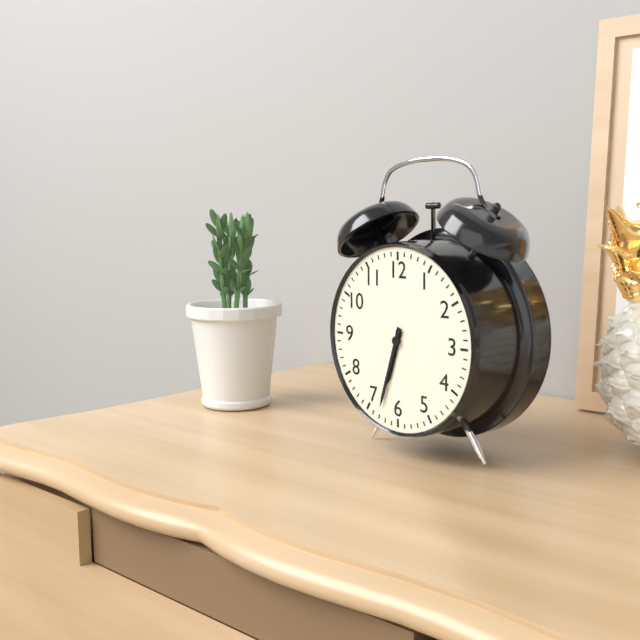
6:33
